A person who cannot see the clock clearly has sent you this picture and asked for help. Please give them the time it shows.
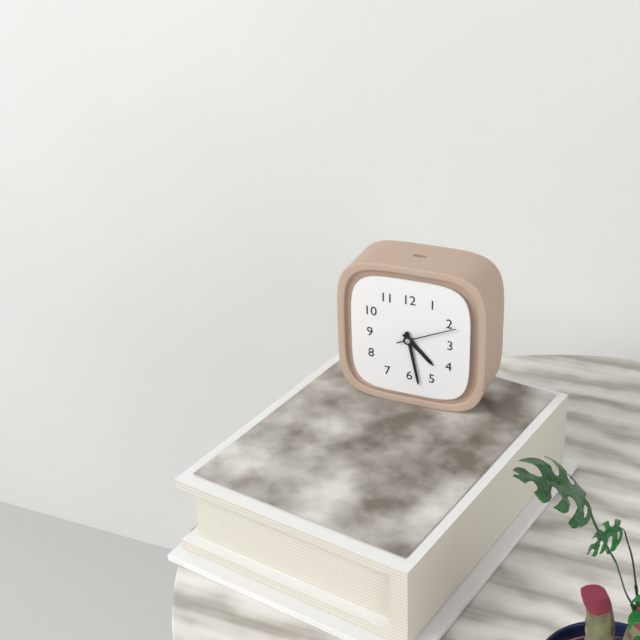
4:28:11
